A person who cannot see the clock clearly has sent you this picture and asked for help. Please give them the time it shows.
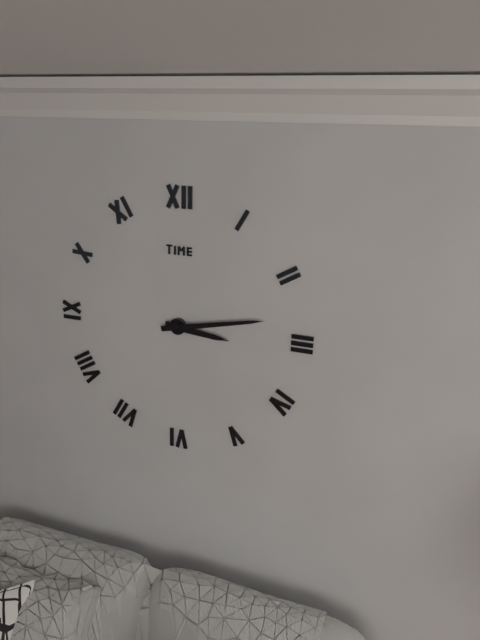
3:13
